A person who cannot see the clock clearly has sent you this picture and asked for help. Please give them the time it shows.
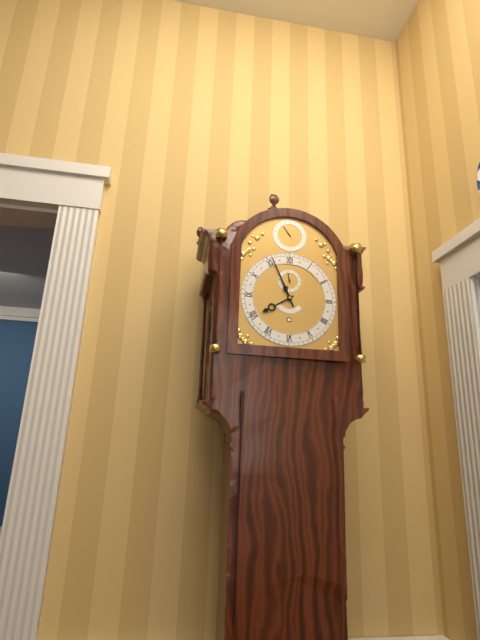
7:56
